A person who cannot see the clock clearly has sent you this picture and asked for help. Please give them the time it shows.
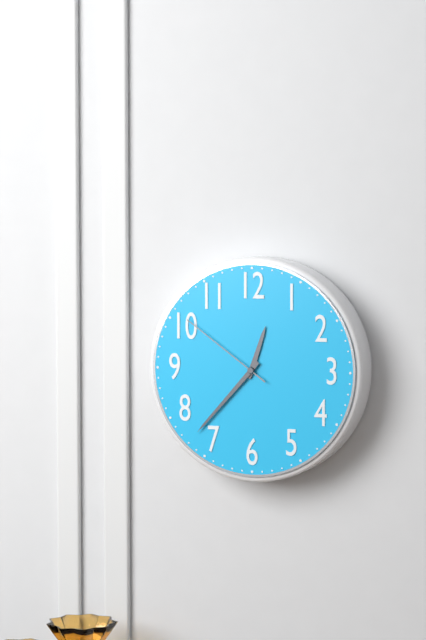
12:37:51
